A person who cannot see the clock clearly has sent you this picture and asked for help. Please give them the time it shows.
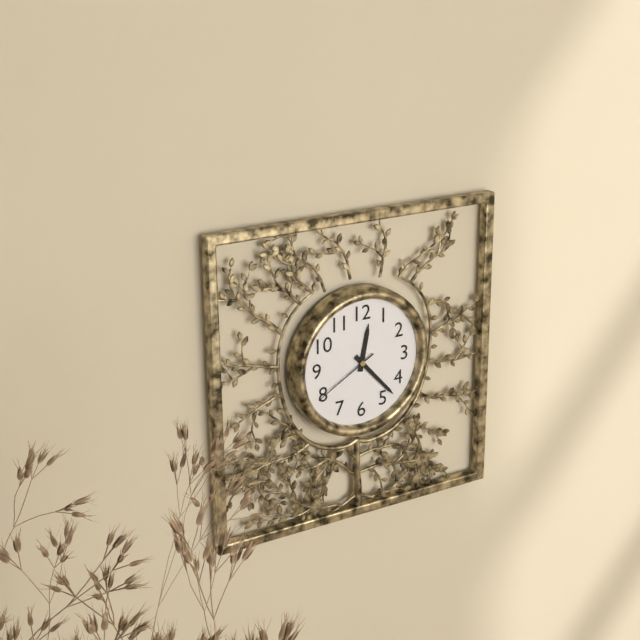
12:23:40
